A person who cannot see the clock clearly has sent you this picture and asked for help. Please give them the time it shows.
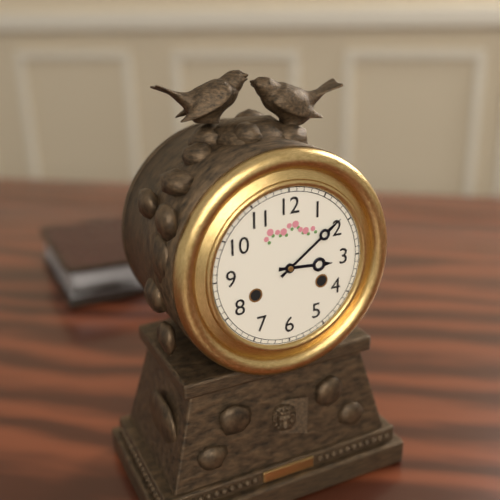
3:09
